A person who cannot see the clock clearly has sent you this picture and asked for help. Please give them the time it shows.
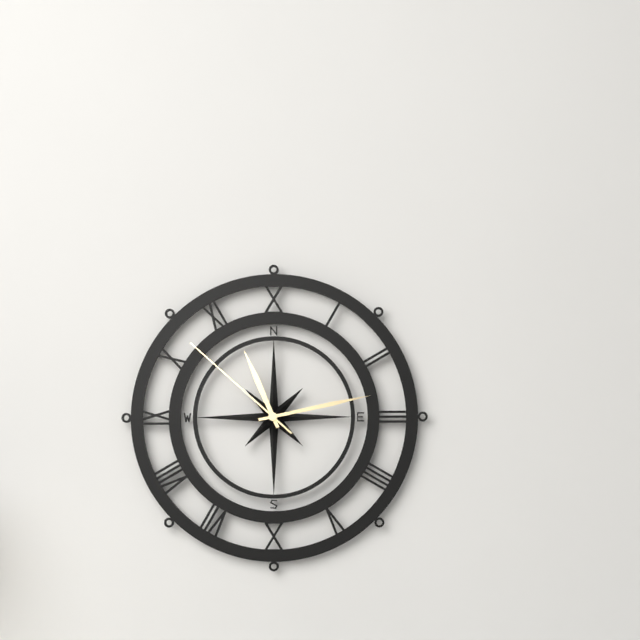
11:13:52
